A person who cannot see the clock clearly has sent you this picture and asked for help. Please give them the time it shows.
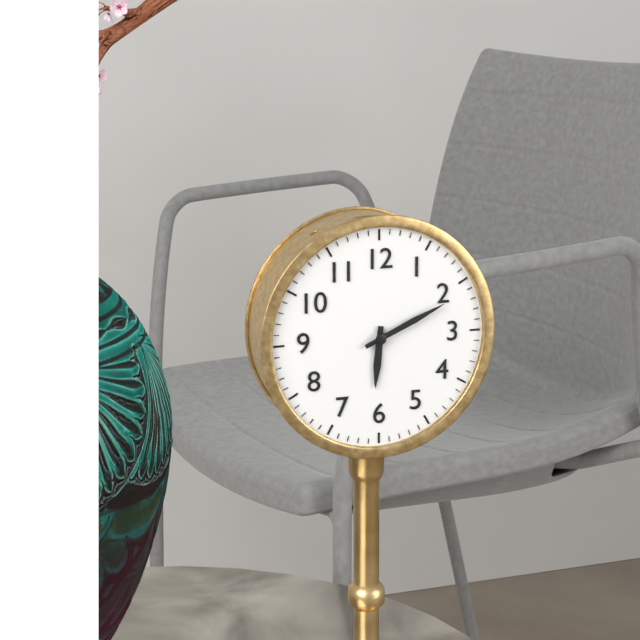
6:11
